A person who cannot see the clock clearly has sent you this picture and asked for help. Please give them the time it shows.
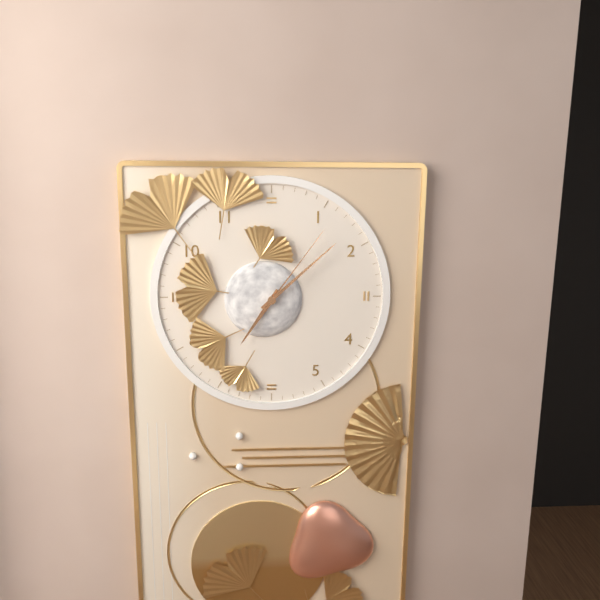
7:08:06
